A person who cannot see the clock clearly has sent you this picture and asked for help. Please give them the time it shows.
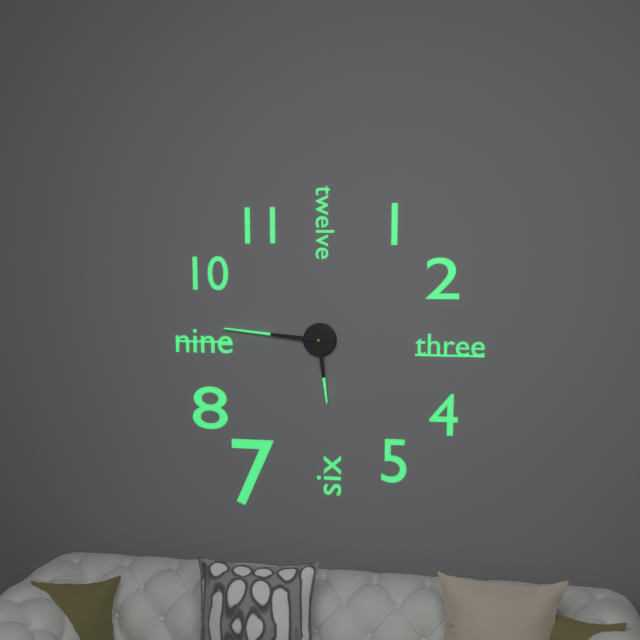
5:46
